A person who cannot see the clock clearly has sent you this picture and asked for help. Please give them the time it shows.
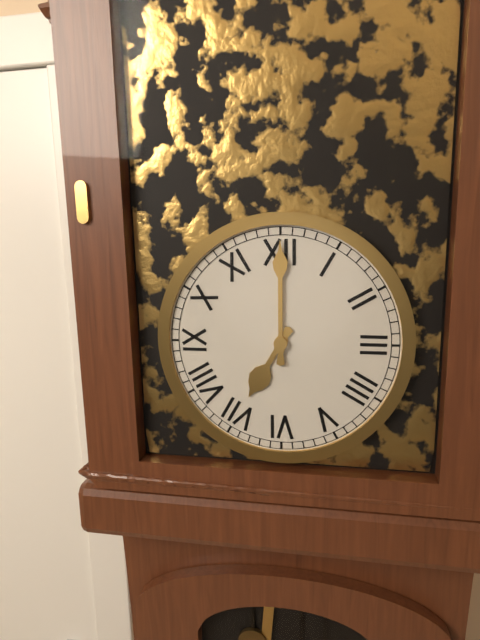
7:00
